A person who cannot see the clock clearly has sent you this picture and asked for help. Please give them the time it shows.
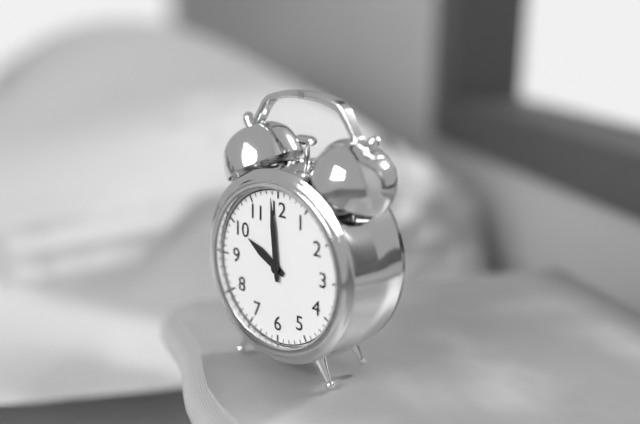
9:59
